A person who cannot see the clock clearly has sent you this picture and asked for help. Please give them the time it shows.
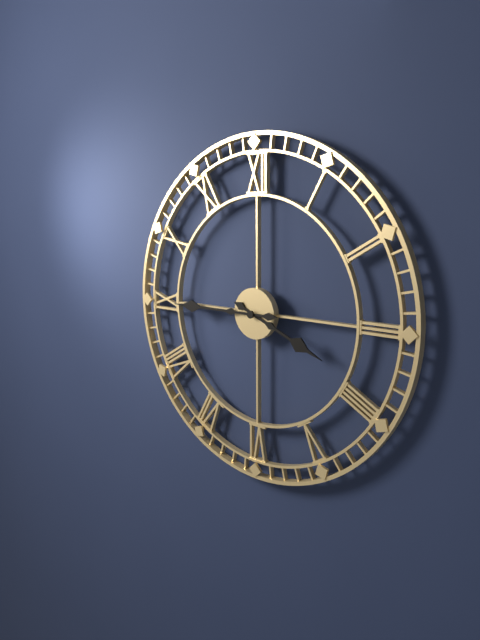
3:45
